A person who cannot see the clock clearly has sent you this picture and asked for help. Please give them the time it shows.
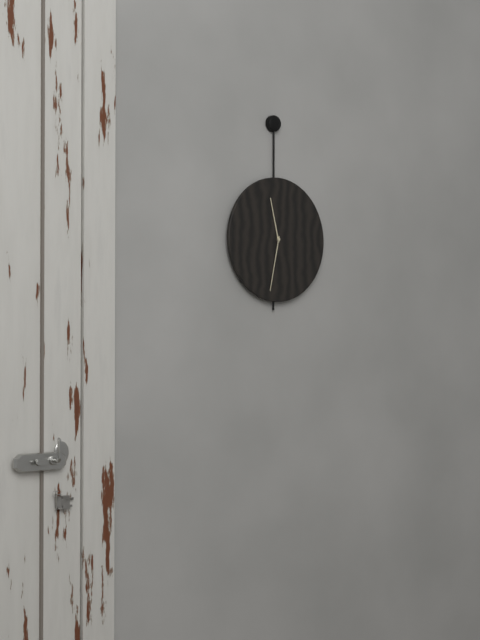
11:32
